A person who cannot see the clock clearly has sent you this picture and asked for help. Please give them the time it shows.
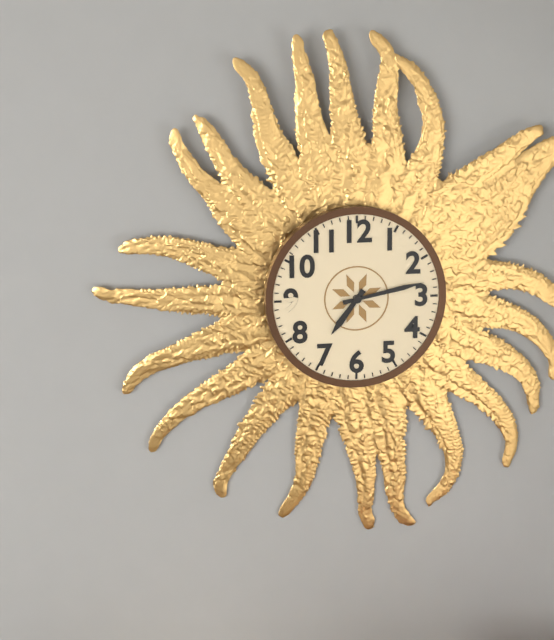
7:13
